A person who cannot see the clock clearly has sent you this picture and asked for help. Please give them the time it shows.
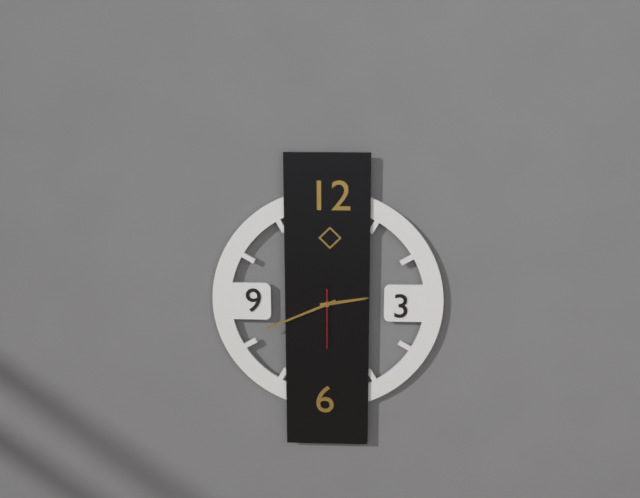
2:41:30
